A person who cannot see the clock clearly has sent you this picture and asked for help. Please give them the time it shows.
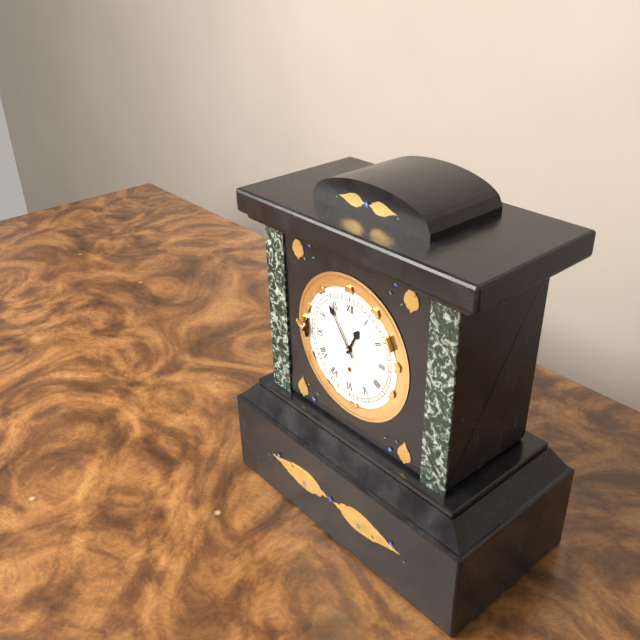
12:54
